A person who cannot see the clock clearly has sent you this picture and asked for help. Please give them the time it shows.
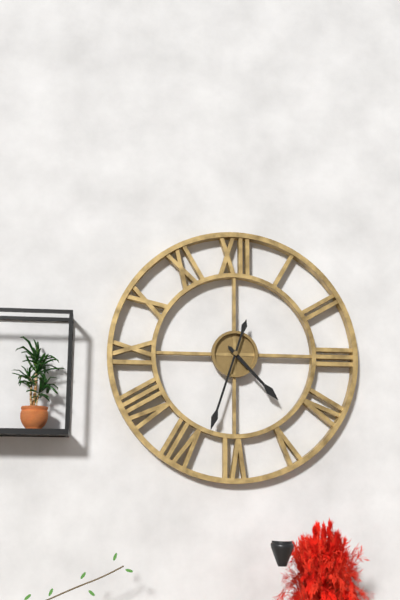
4:33
